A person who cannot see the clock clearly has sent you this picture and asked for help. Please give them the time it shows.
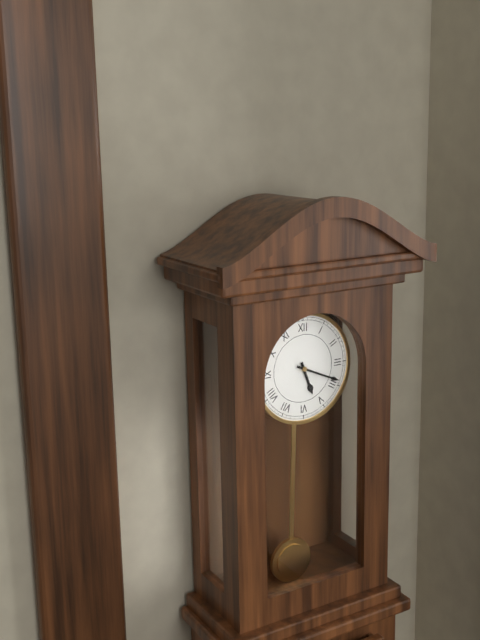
5:19
